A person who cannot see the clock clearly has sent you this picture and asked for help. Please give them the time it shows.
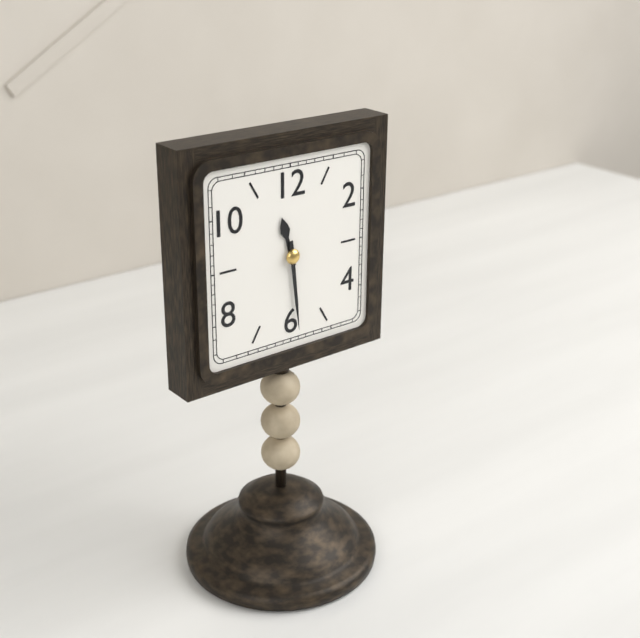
11:29
